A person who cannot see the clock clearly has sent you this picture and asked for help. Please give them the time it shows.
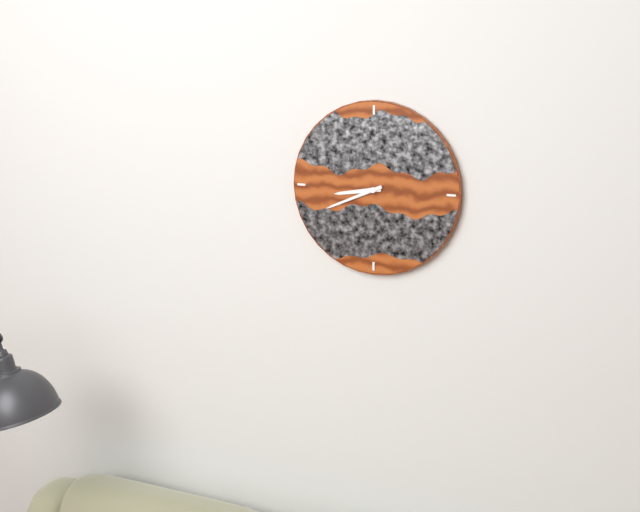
8:41
